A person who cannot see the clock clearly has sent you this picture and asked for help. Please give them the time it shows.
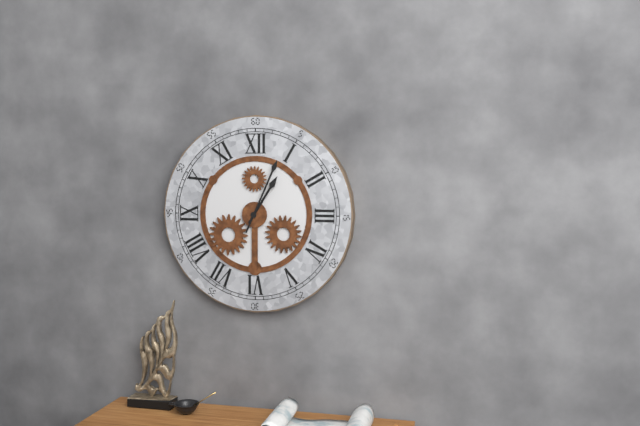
1:04
